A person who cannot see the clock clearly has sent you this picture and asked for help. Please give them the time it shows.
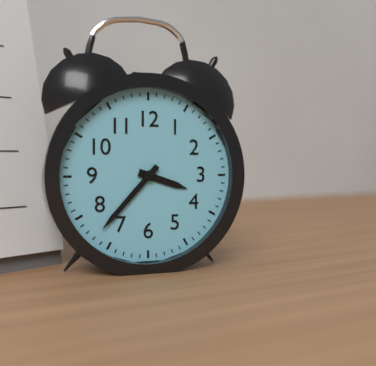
3:37
